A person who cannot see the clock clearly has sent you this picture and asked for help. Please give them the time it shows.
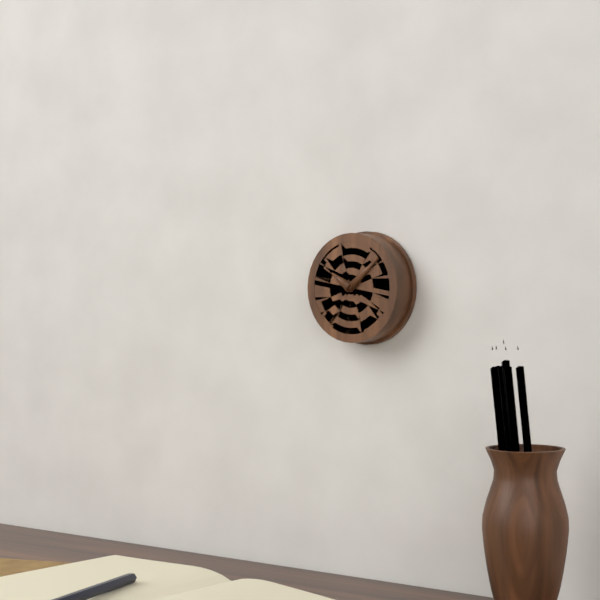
10:08
